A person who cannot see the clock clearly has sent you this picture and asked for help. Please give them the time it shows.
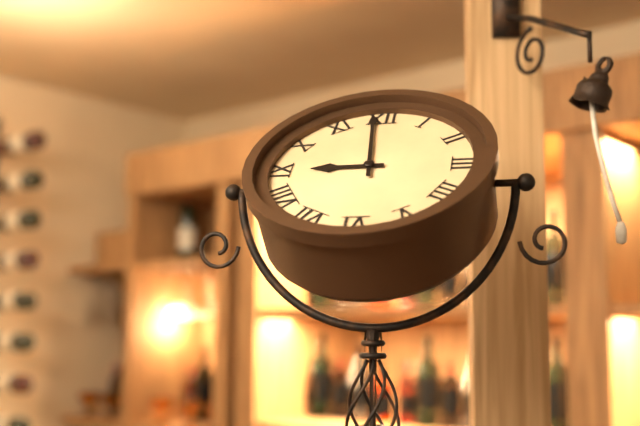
8:59
